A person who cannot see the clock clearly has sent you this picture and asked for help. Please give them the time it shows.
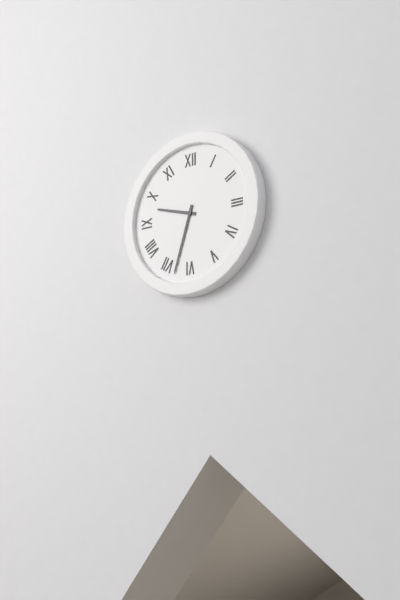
9:33
